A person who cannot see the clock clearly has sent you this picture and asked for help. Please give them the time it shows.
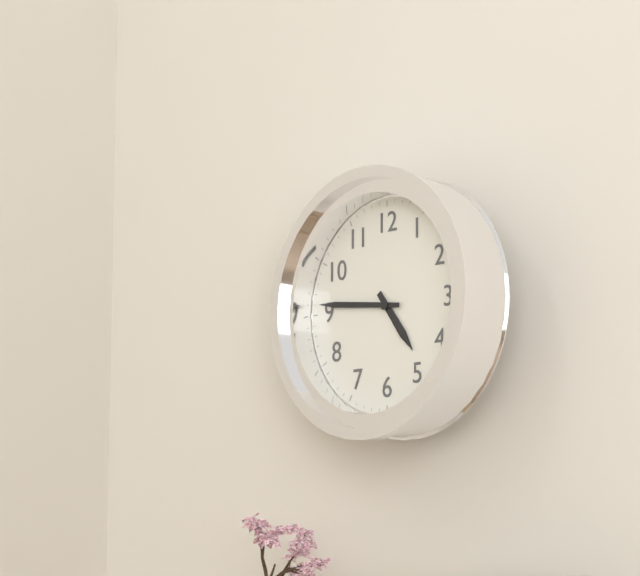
4:46
